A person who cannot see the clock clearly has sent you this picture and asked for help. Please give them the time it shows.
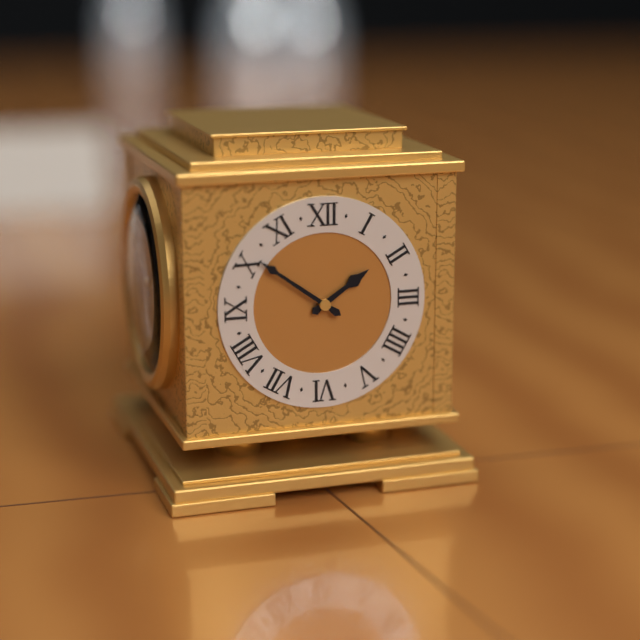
1:51
